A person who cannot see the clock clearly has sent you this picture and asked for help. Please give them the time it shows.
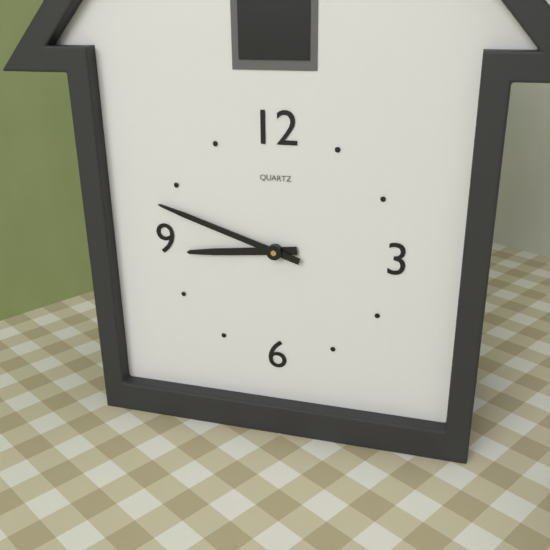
8:48
